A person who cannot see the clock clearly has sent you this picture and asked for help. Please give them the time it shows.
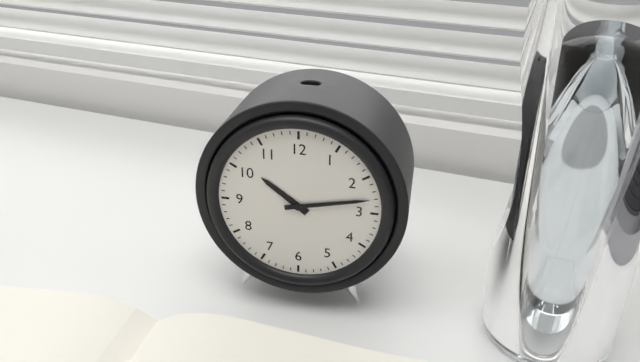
10:13
